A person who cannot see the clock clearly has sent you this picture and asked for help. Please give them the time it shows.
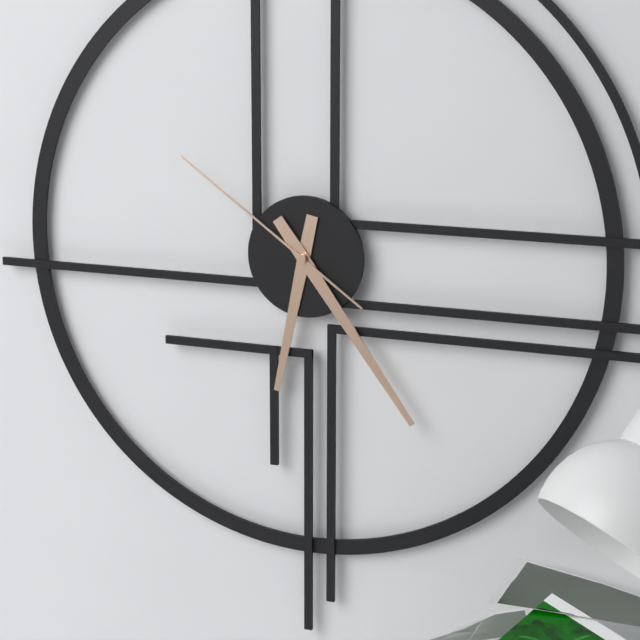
6:24:51
